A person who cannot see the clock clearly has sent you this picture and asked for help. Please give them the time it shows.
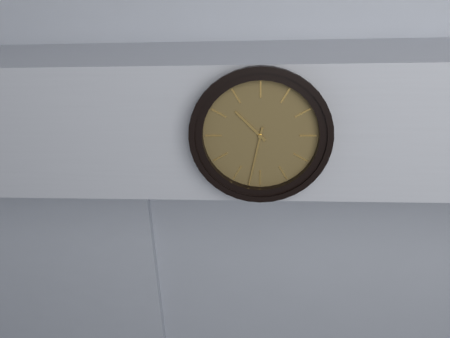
10:32
